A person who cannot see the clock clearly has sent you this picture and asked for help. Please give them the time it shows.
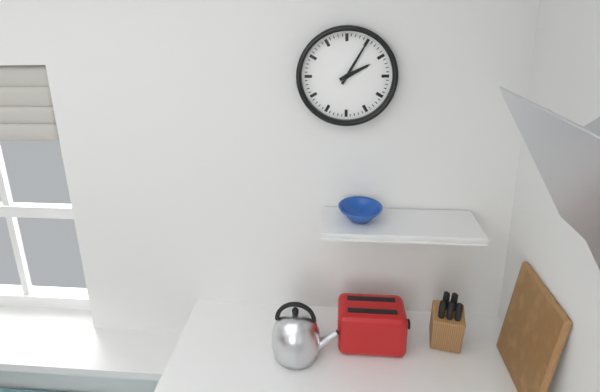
2:05
